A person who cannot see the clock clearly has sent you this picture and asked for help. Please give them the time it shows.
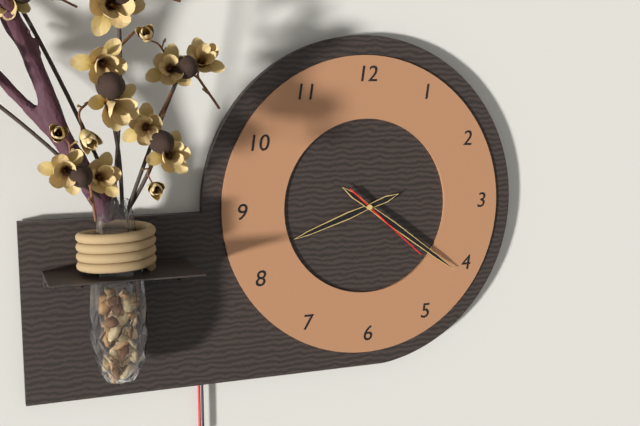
8:21:22
